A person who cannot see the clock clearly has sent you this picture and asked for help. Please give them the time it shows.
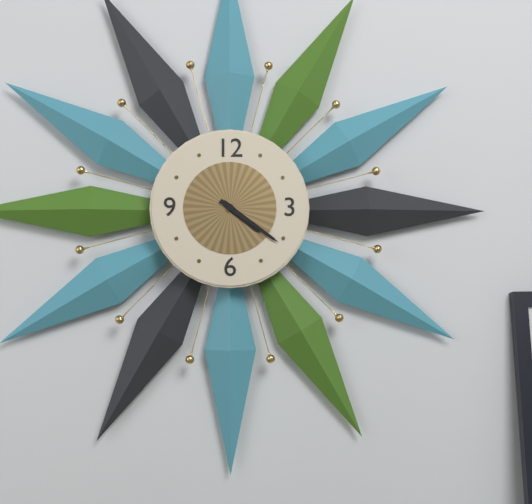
4:21
